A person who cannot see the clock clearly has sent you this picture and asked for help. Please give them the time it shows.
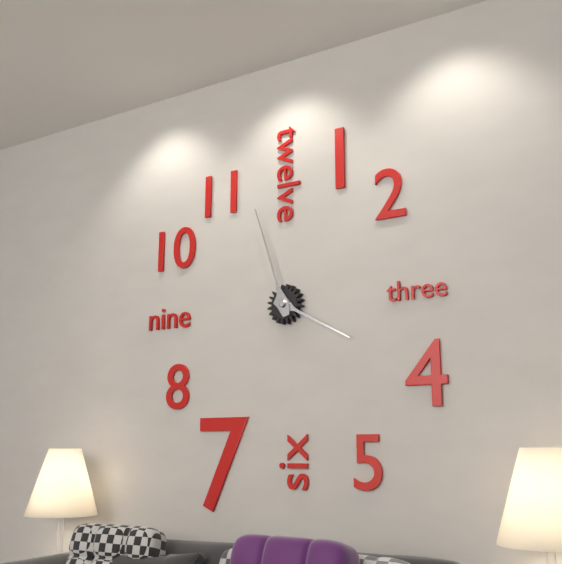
3:57
